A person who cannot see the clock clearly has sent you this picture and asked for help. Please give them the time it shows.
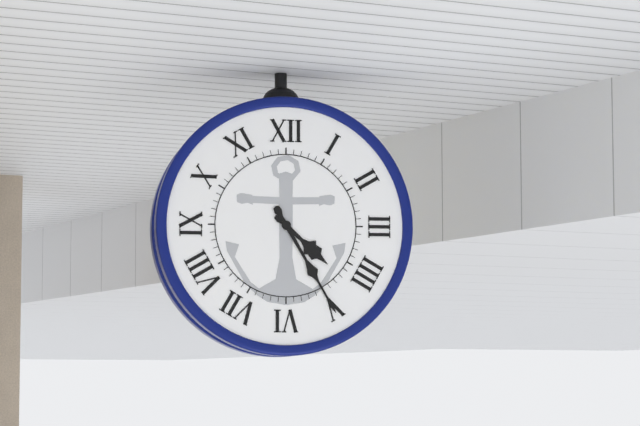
4:25
